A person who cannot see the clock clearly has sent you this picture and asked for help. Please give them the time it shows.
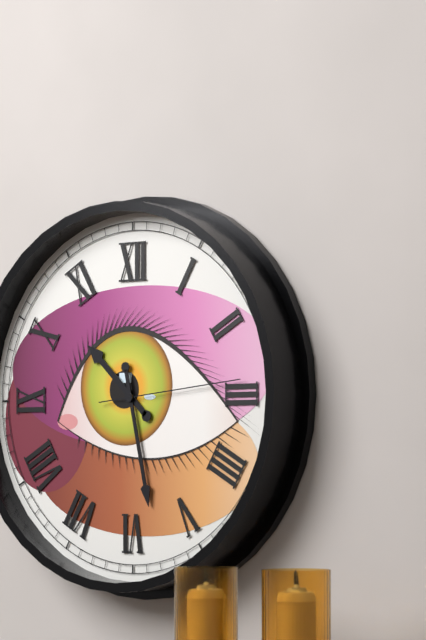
10:28:14
